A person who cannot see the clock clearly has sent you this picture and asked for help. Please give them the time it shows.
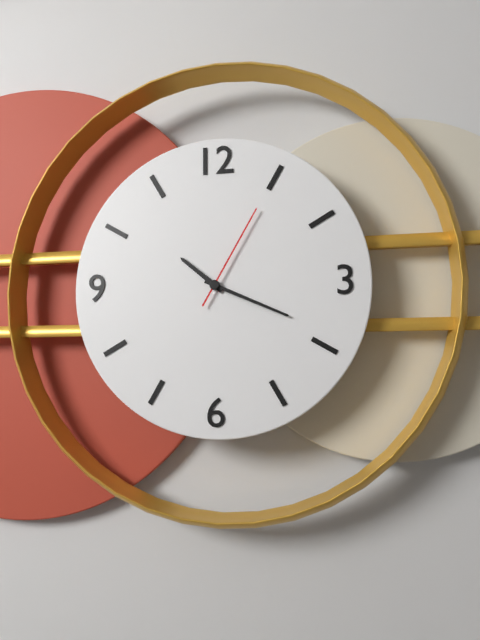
10:19:05
